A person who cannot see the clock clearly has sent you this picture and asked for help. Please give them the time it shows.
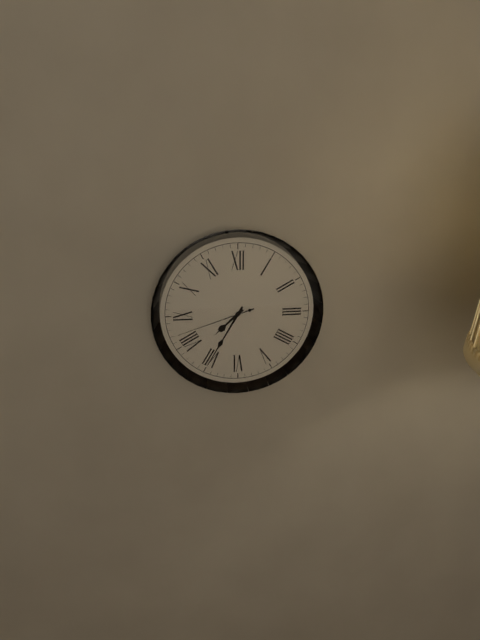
7:35:42
